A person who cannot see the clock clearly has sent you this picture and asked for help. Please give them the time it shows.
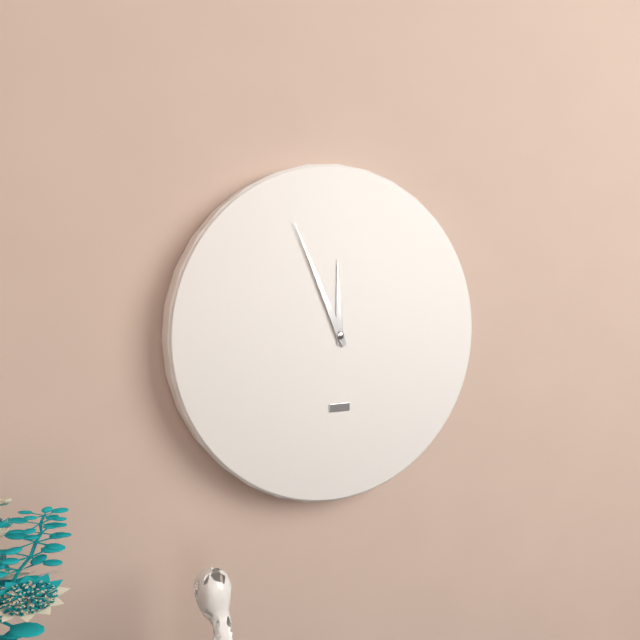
11:56
